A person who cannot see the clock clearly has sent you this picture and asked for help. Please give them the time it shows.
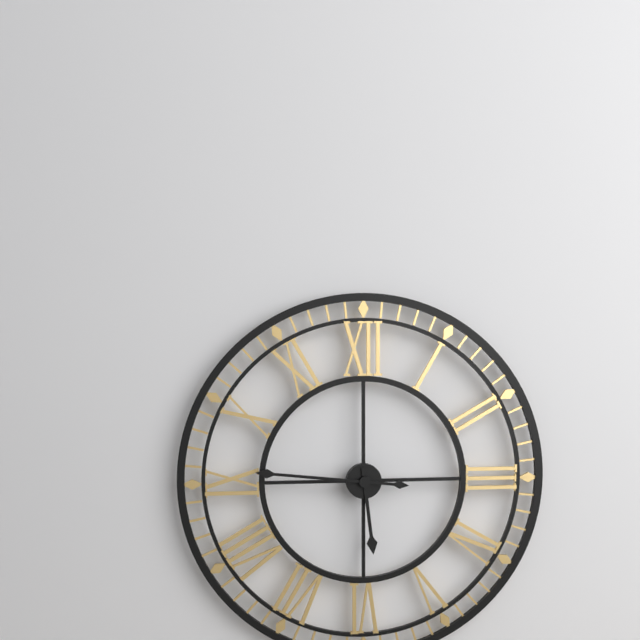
5:46
